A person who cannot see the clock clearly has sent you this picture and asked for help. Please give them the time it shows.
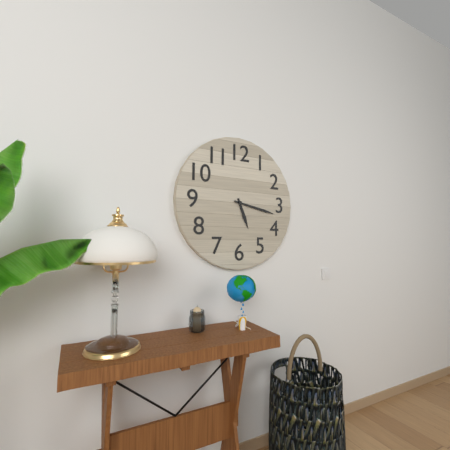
5:17
